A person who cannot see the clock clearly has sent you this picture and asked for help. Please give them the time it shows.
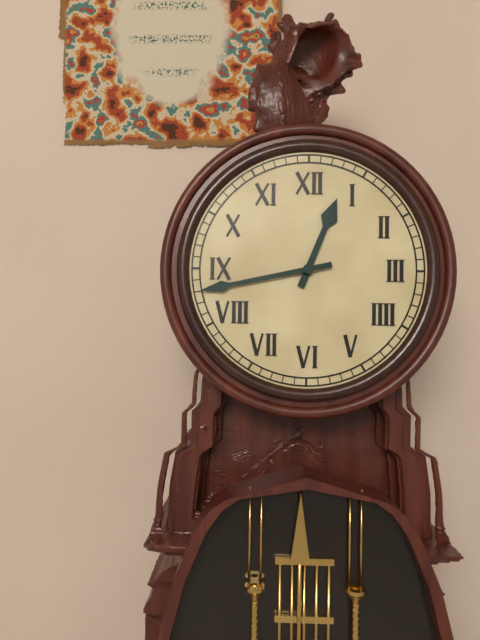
12:43
